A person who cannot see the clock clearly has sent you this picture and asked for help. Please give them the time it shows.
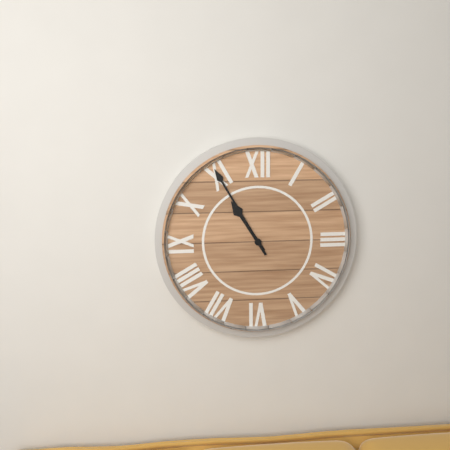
10:55
